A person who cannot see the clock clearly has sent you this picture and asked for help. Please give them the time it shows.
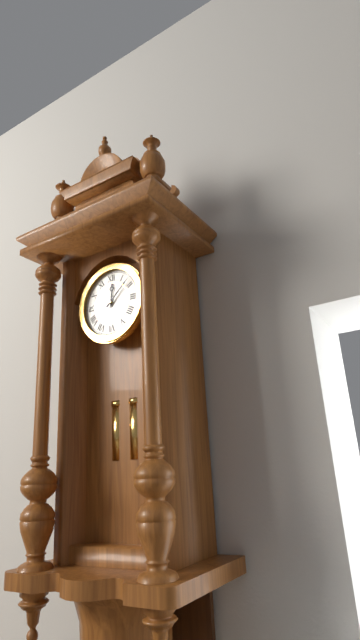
12:08
